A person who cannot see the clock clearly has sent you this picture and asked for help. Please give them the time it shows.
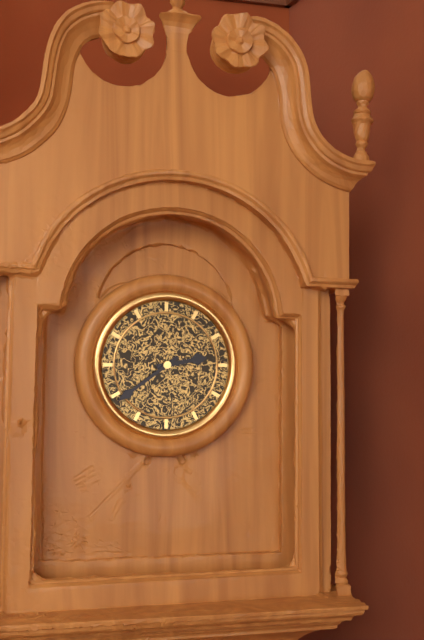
2:39
